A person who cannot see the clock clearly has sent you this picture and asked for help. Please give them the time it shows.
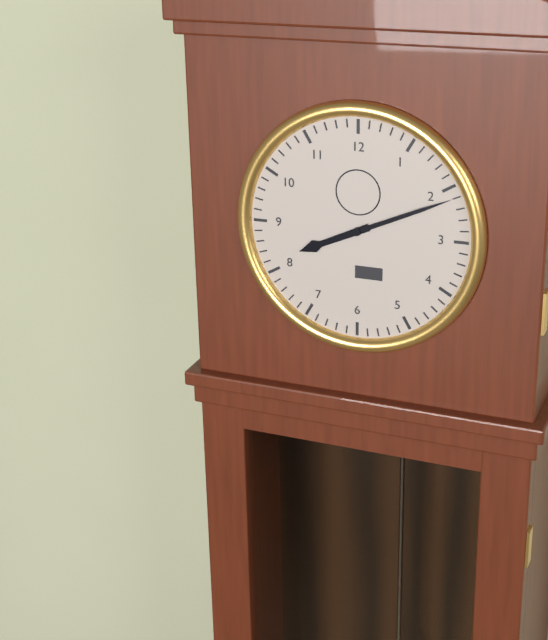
8:11
